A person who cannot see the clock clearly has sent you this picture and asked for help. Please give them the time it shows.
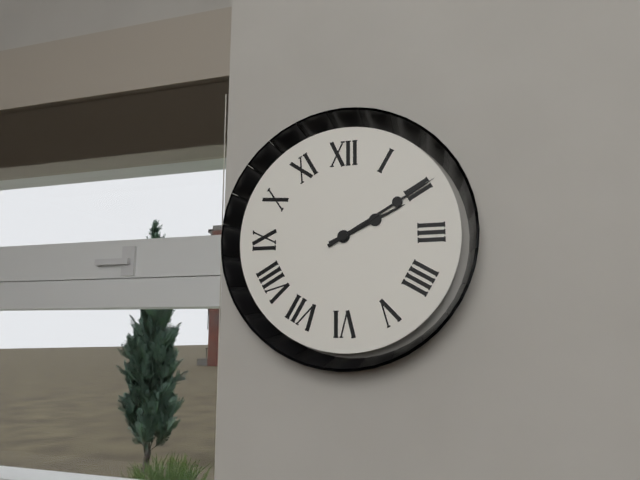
2:10
